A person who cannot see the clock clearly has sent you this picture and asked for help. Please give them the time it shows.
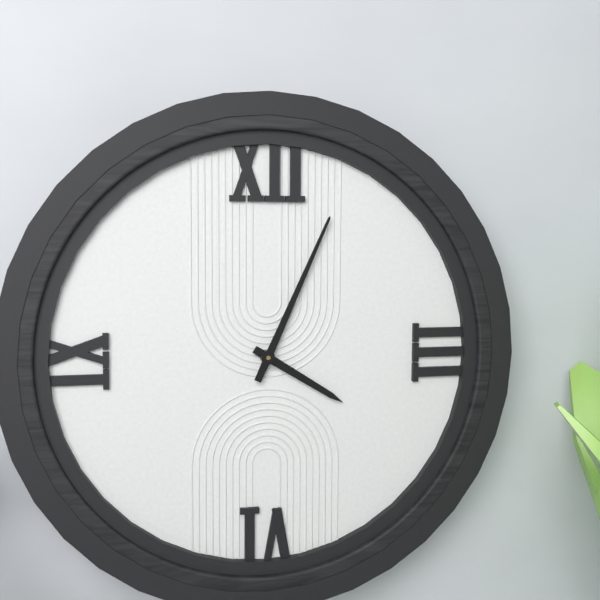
4:04
